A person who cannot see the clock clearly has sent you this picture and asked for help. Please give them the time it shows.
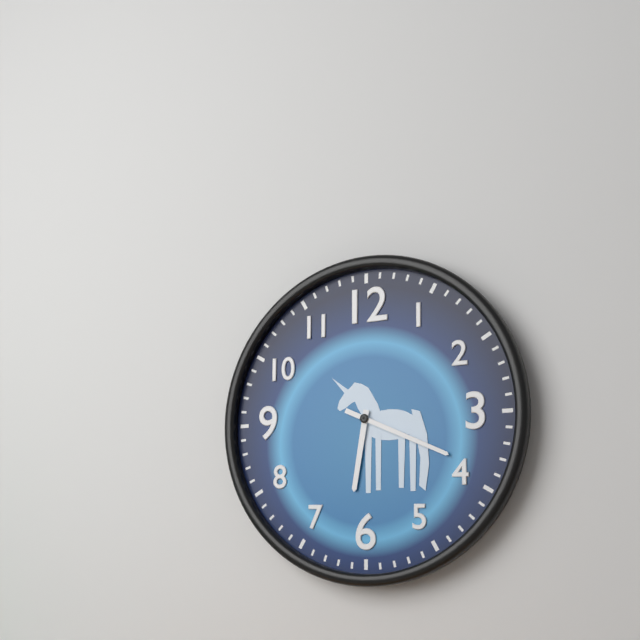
6:19
